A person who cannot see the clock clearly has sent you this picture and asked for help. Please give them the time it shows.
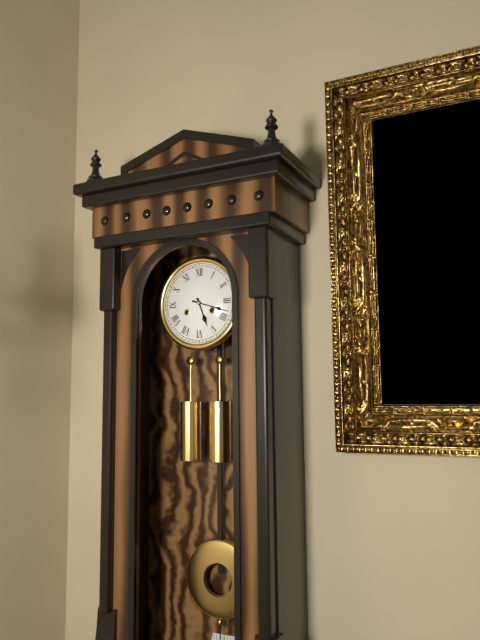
5:18
